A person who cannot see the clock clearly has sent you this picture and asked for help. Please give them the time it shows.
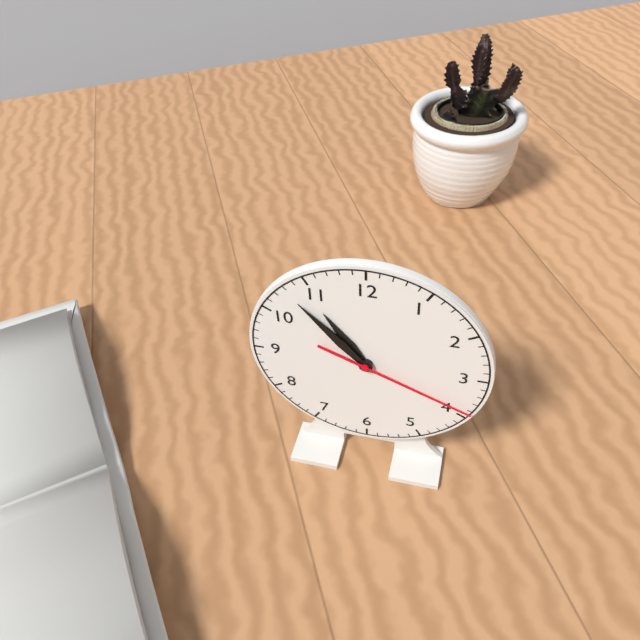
10:53:19
